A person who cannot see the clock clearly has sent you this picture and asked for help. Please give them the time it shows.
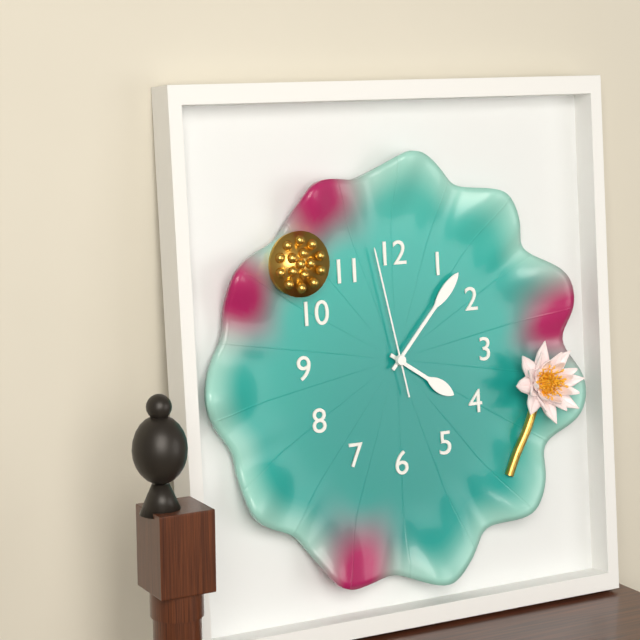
4:07:58
